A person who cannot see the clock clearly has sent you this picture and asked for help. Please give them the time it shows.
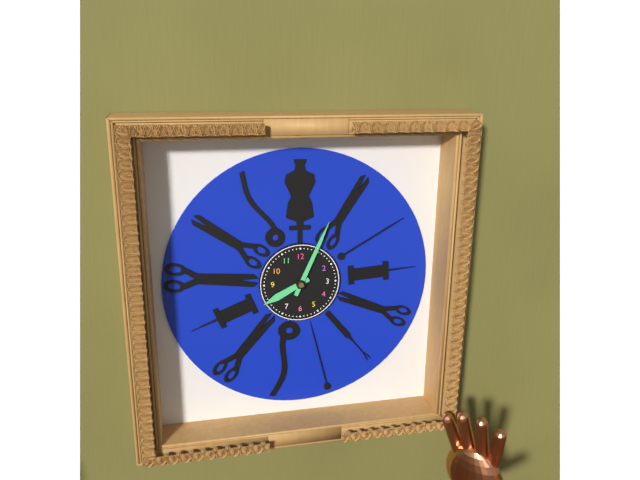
8:04
